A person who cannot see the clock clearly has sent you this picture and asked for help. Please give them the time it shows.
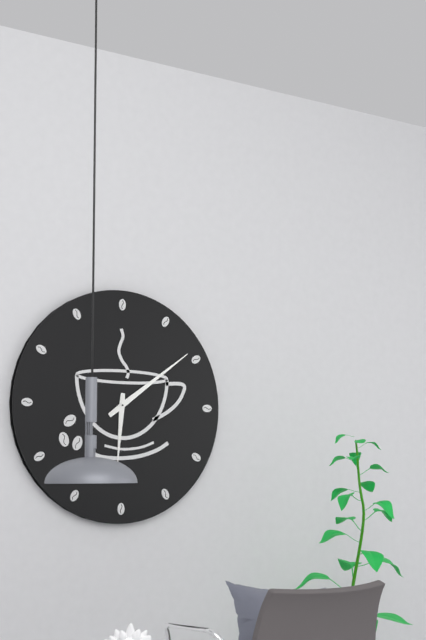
6:09
